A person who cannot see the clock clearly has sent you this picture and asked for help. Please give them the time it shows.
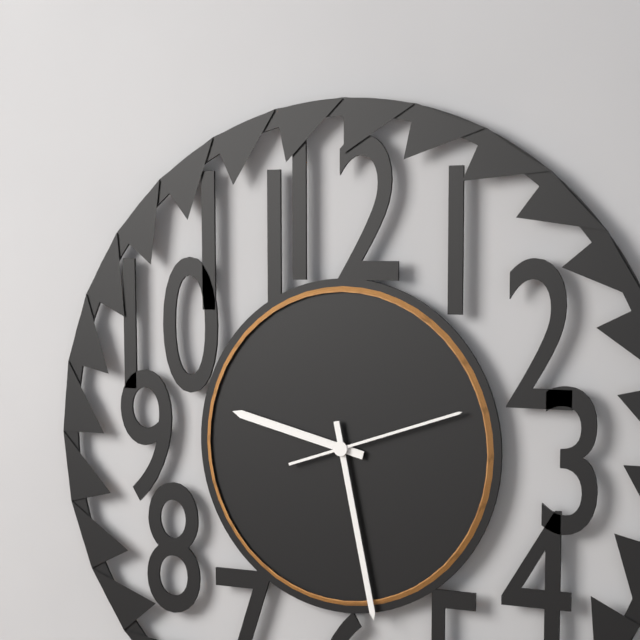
9:28:12
